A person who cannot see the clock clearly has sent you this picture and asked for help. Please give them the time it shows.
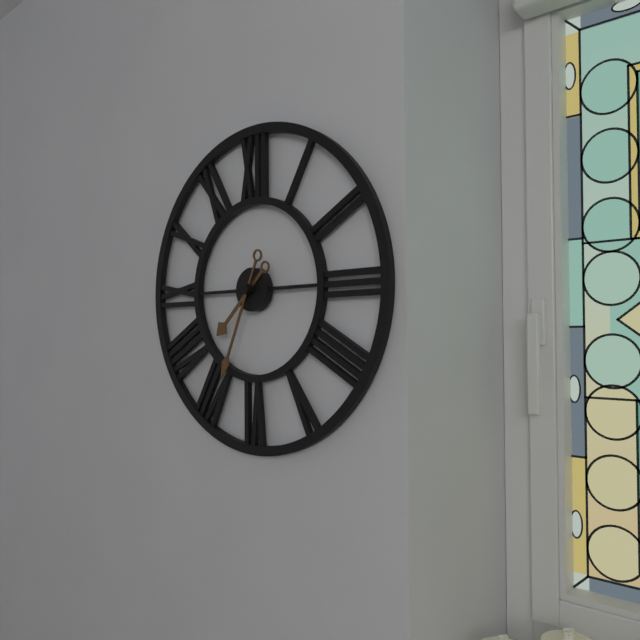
7:34
